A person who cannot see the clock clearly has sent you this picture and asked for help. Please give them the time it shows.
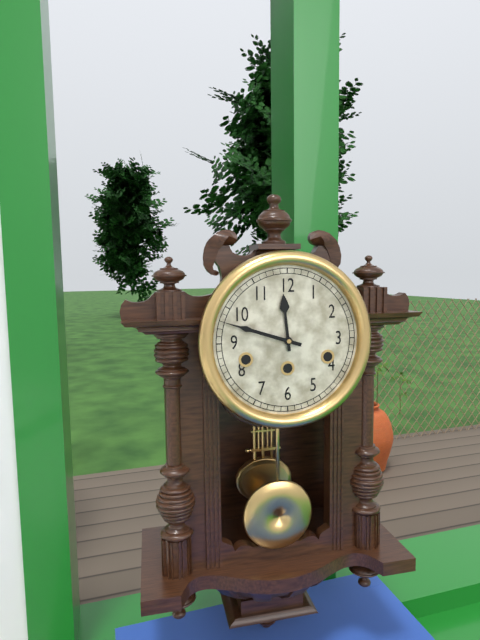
11:48
